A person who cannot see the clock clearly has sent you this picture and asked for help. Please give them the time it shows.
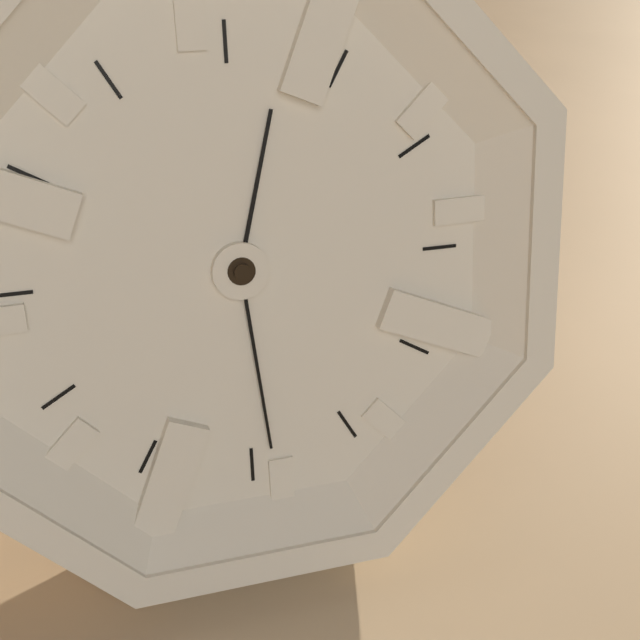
12:29
